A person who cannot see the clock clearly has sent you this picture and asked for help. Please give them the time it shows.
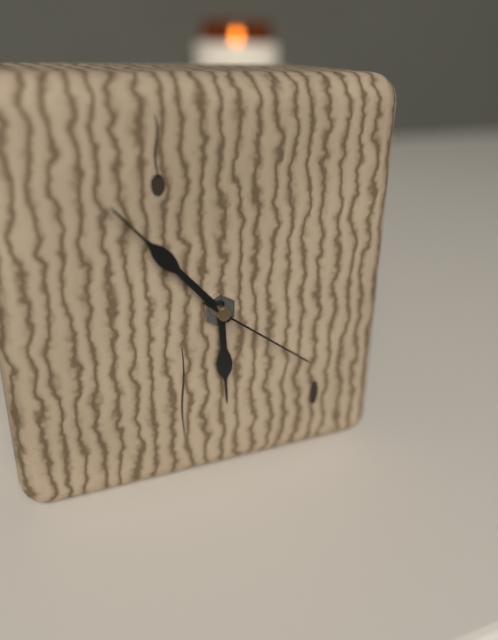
5:53:21
